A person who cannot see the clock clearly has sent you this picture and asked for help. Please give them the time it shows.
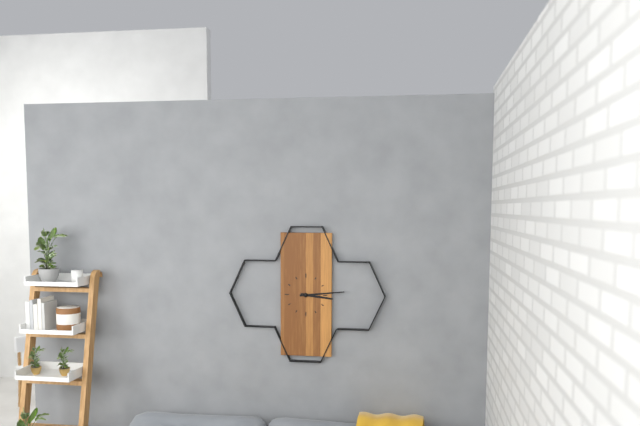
3:14
